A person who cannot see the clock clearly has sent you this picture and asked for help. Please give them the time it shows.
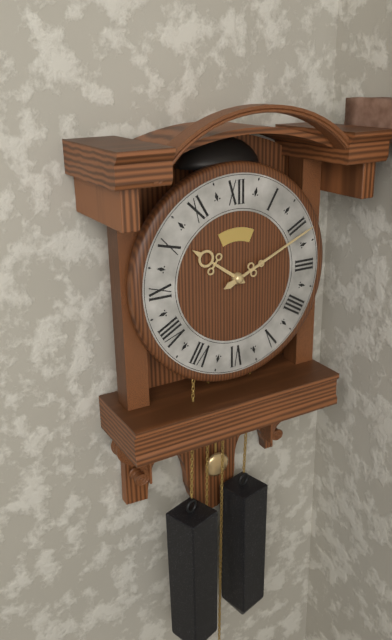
10:11
